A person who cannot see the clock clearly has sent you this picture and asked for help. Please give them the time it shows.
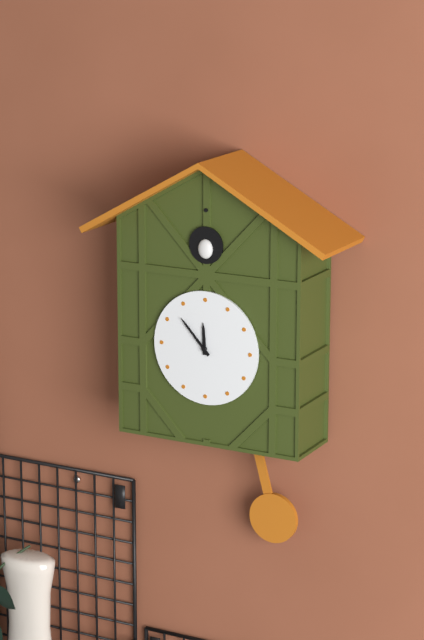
11:53
